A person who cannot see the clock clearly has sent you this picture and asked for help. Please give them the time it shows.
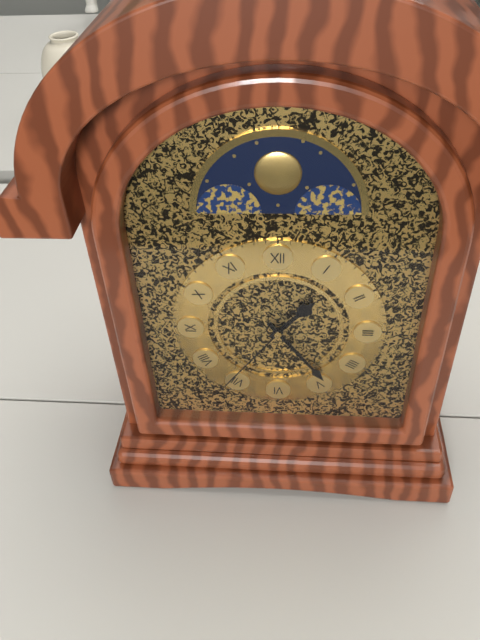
1:24:36
